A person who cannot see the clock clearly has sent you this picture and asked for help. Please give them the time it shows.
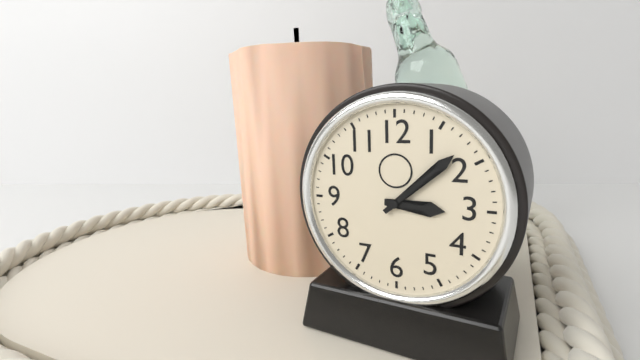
3:08
